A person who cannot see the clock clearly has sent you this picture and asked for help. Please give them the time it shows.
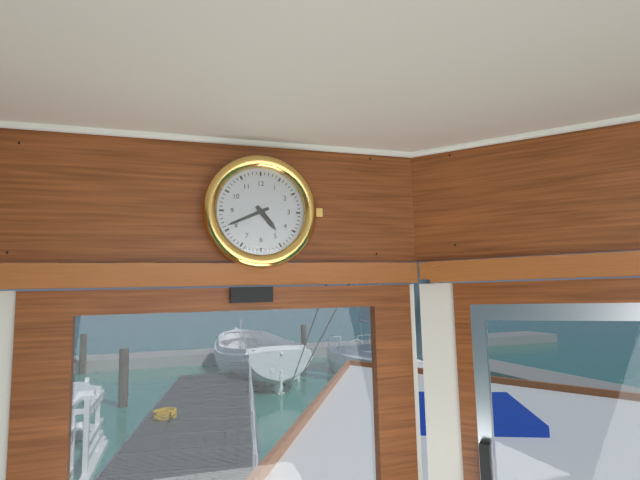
4:41
